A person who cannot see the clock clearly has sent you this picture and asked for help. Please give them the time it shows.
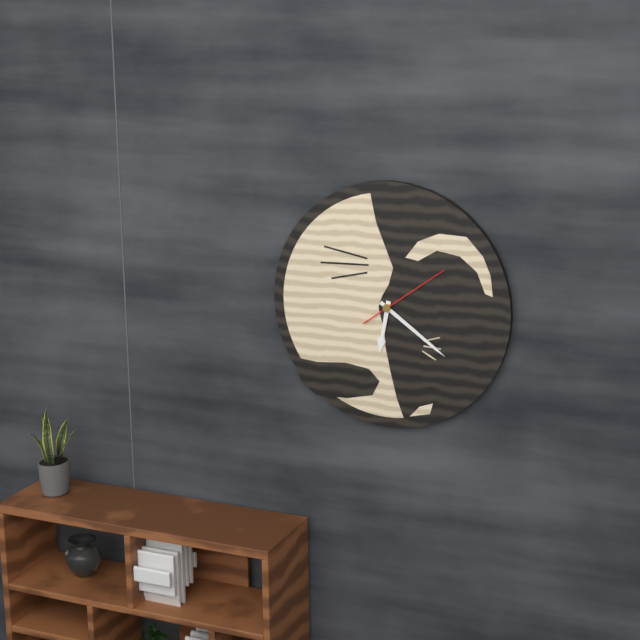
6:21:09
